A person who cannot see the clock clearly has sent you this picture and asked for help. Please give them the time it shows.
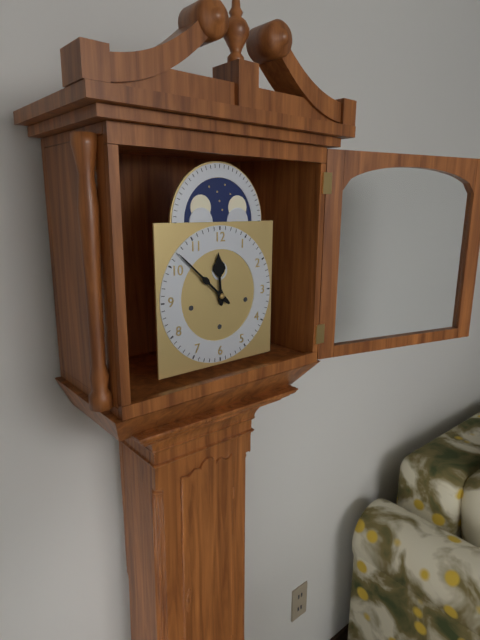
11:52
